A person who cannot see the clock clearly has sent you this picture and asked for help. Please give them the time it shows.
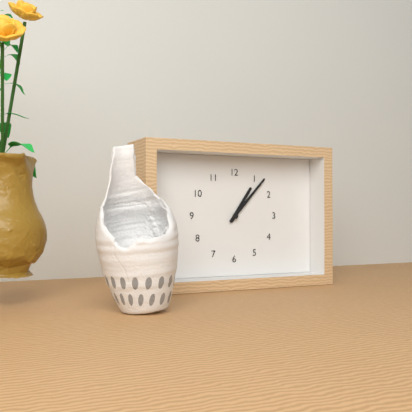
1:07
